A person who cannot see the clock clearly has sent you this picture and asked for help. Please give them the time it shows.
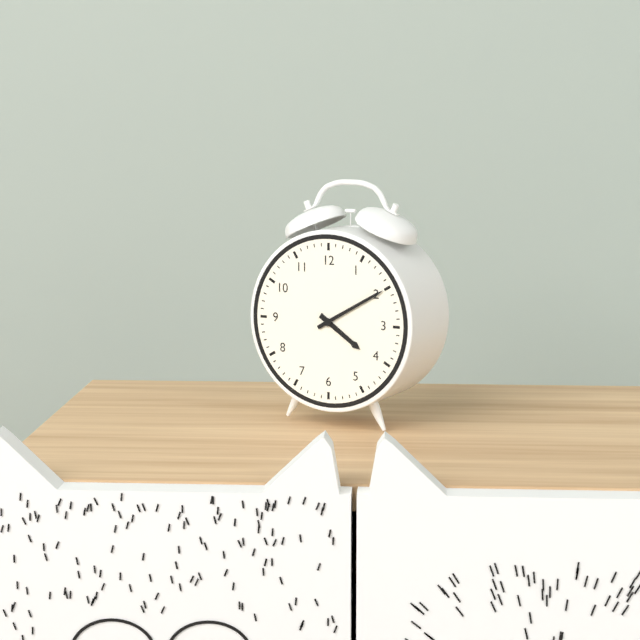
4:10
